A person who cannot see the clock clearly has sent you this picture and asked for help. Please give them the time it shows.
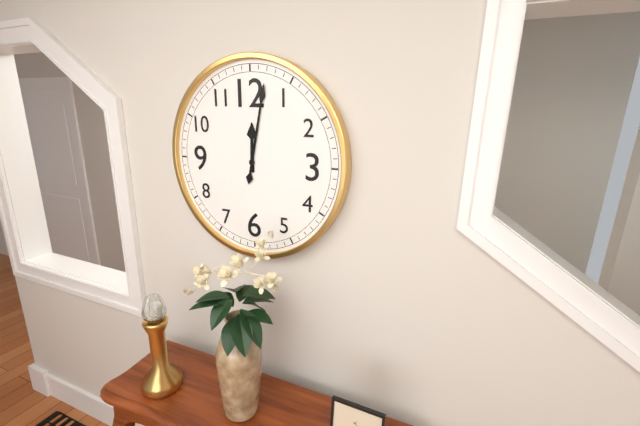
12:02
